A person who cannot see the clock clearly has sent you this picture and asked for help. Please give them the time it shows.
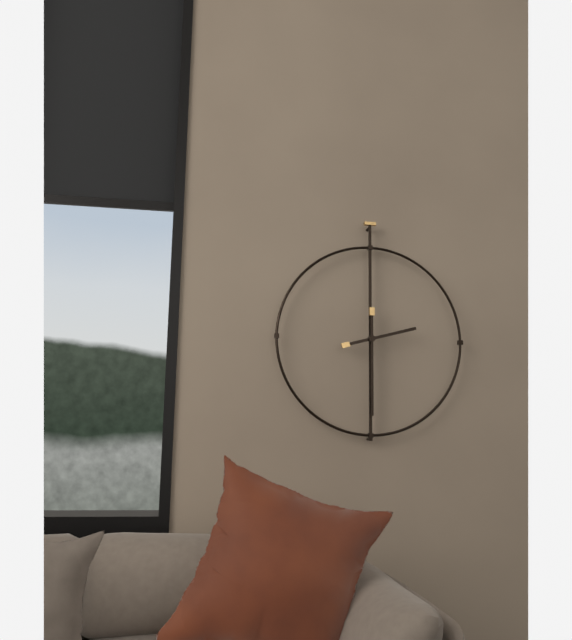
2:30
